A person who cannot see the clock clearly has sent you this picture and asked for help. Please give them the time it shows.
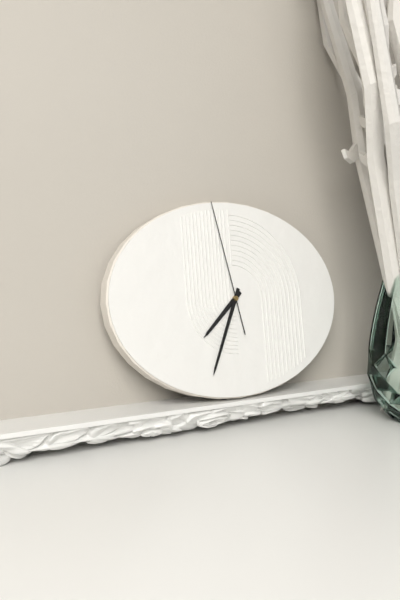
7:34:58
